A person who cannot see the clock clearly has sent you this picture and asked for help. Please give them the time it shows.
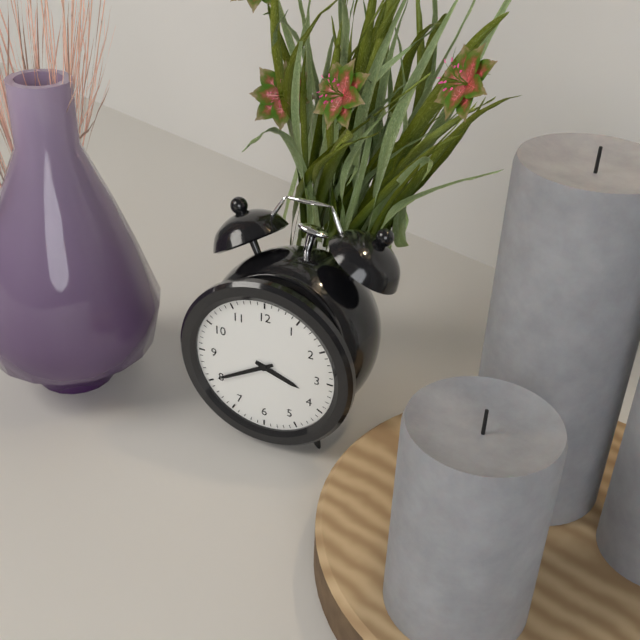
3:40
